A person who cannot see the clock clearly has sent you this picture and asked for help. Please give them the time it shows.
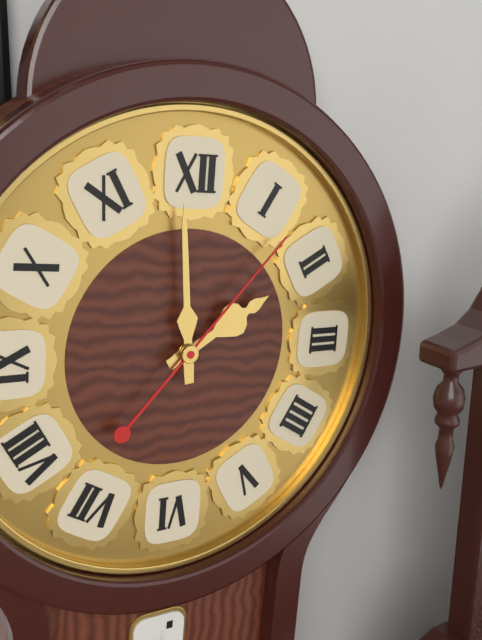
1:59:07
